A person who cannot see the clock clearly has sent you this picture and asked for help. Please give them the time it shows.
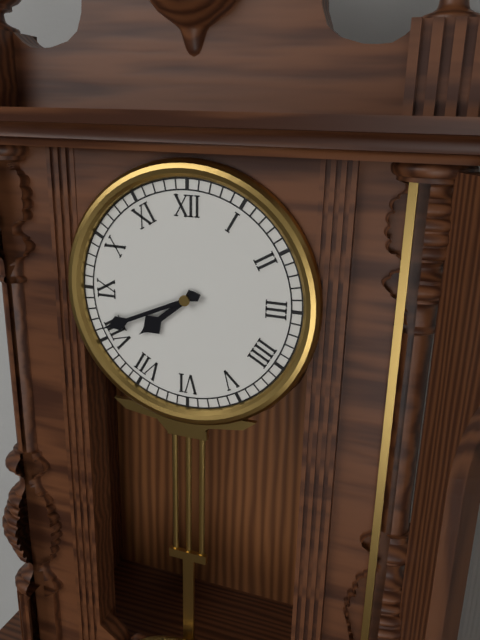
7:41
